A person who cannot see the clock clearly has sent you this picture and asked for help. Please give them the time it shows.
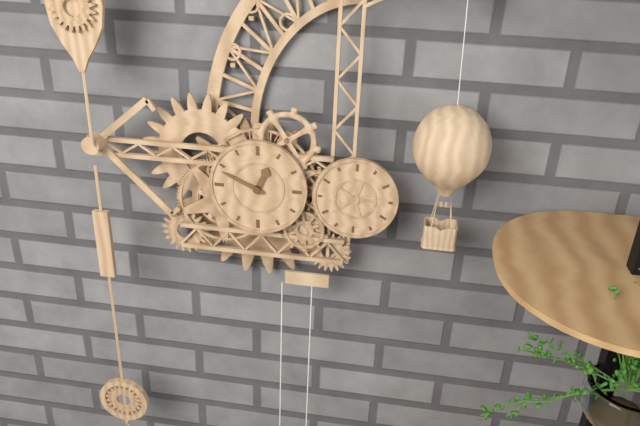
12:49
